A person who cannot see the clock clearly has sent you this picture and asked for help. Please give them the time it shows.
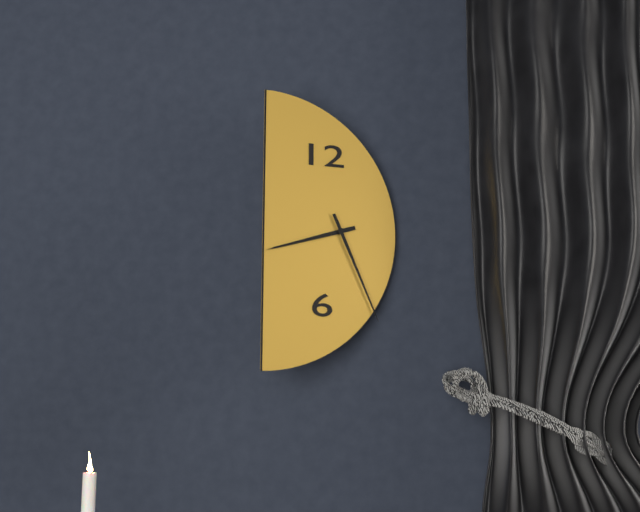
8:26
